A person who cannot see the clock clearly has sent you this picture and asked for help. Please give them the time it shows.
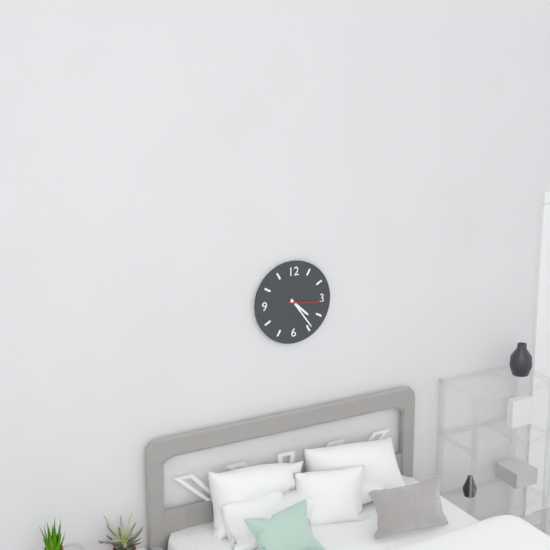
4:24
